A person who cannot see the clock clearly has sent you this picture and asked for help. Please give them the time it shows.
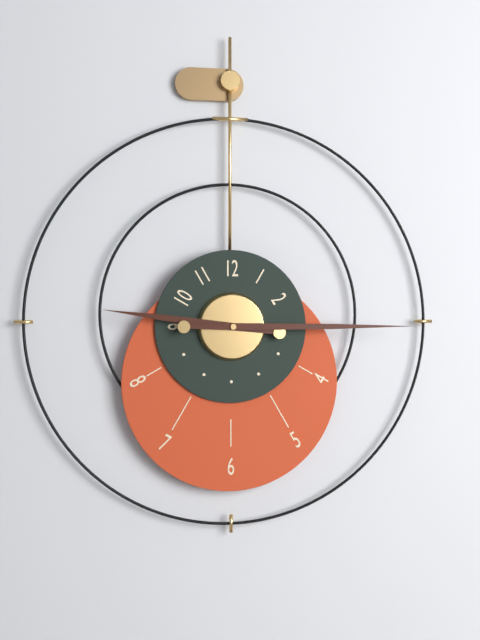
9:15
